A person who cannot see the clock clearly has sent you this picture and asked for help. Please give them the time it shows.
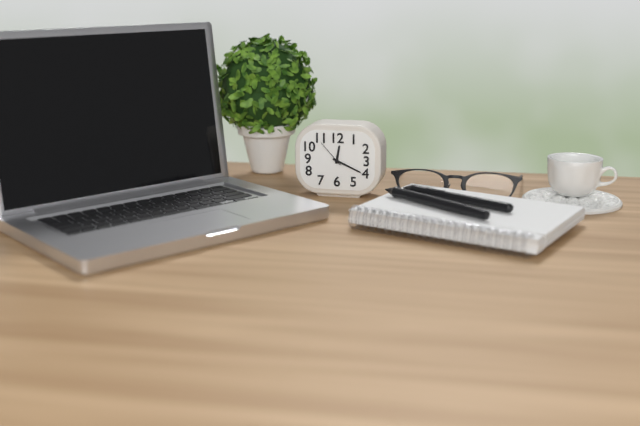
12:19
